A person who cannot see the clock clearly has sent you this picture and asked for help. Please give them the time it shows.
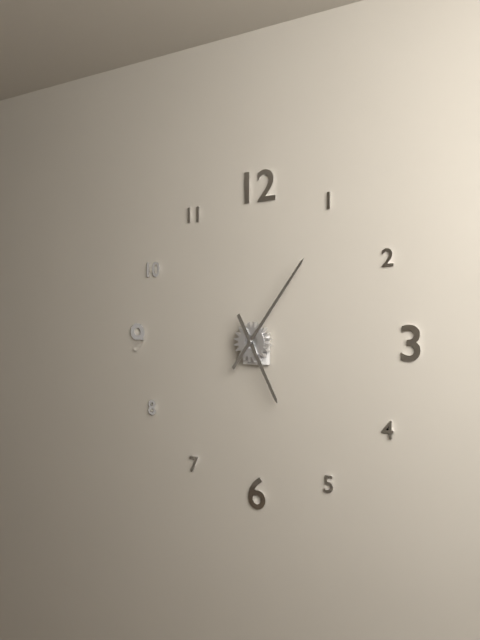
5:06
